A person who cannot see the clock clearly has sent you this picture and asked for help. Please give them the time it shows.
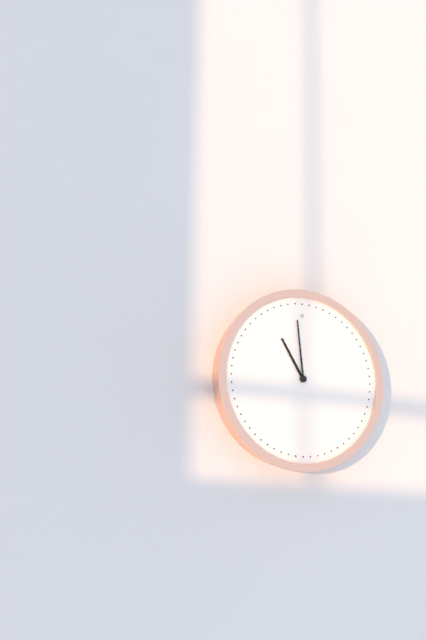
10:59
